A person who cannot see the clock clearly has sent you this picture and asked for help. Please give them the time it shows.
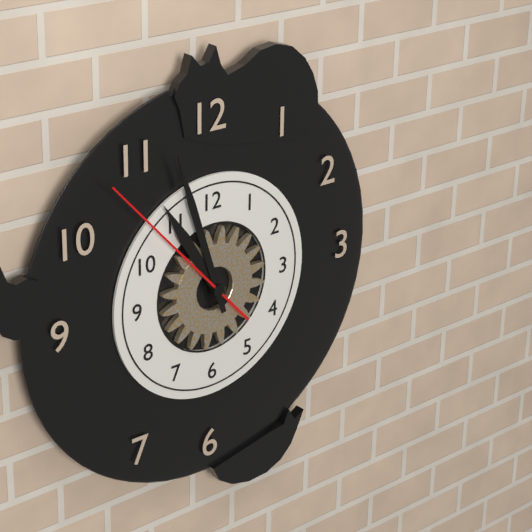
10:57:53
